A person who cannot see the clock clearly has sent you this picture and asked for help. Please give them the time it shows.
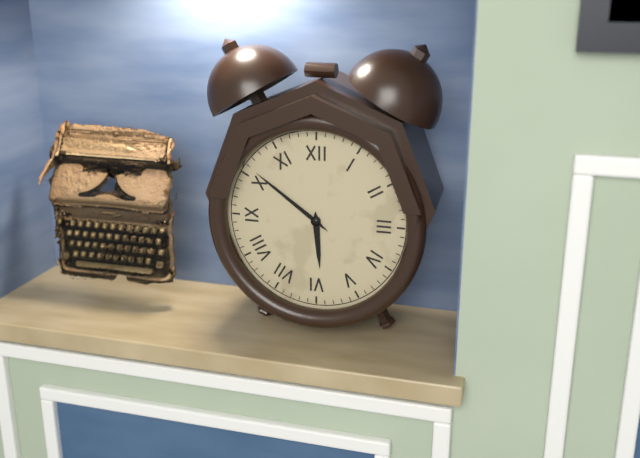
5:51
